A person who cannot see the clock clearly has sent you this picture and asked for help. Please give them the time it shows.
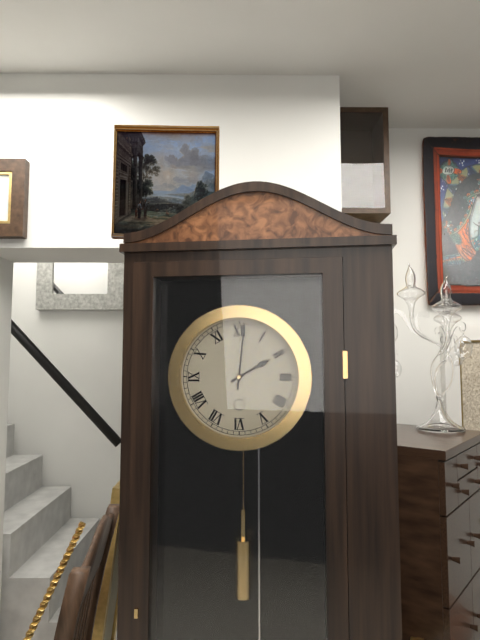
2:01
